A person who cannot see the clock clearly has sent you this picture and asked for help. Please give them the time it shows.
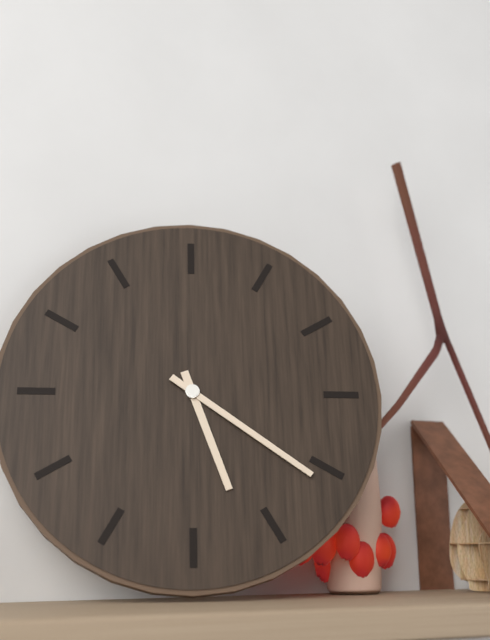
5:21
